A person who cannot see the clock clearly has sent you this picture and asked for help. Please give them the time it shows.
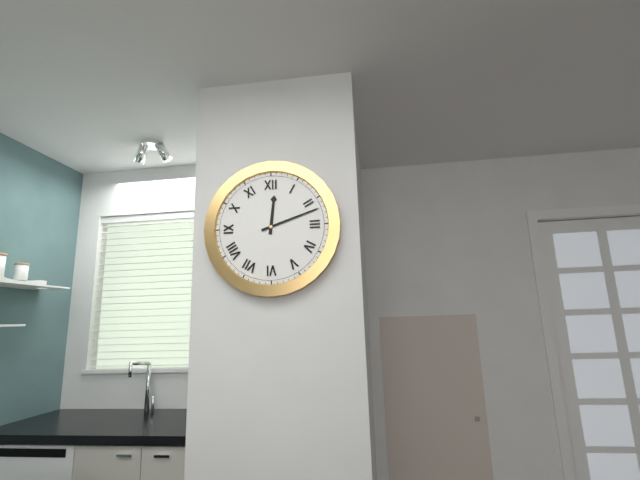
12:12
